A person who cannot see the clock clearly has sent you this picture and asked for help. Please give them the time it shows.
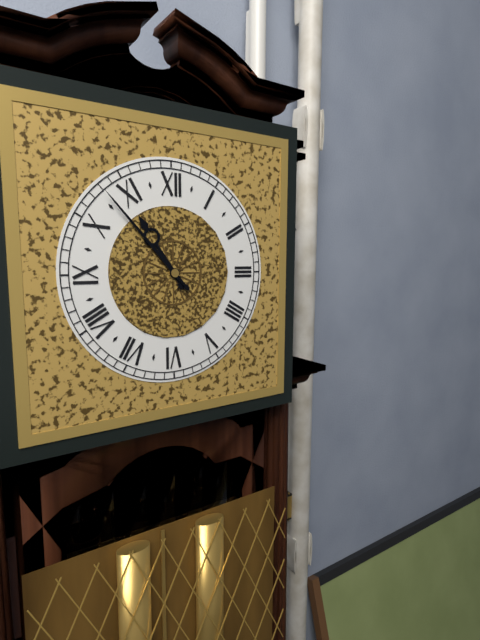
10:53
